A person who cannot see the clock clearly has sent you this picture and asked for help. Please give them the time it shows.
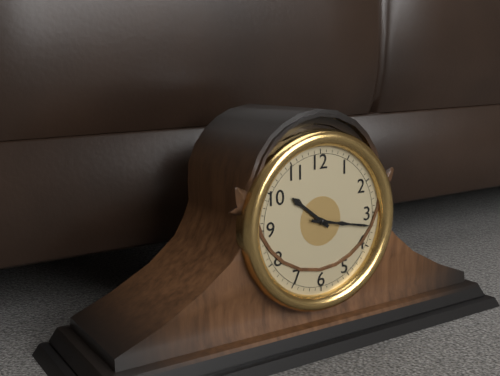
10:17
